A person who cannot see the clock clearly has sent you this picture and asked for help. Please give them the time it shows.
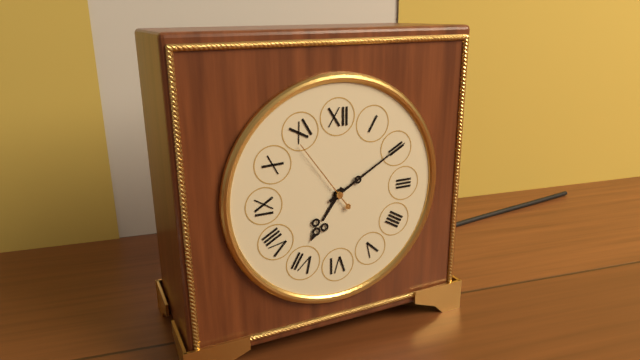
7:10:54
